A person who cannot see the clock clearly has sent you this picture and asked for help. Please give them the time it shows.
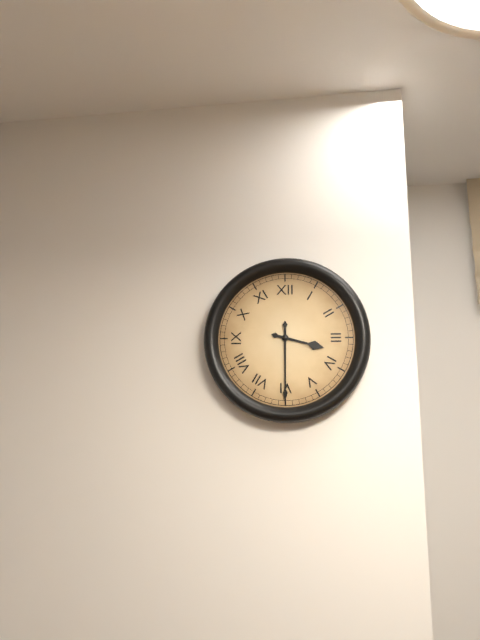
3:30
